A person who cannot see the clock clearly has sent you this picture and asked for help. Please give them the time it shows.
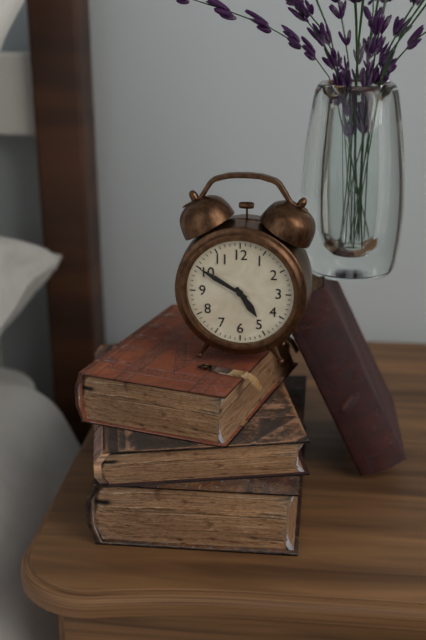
4:50
